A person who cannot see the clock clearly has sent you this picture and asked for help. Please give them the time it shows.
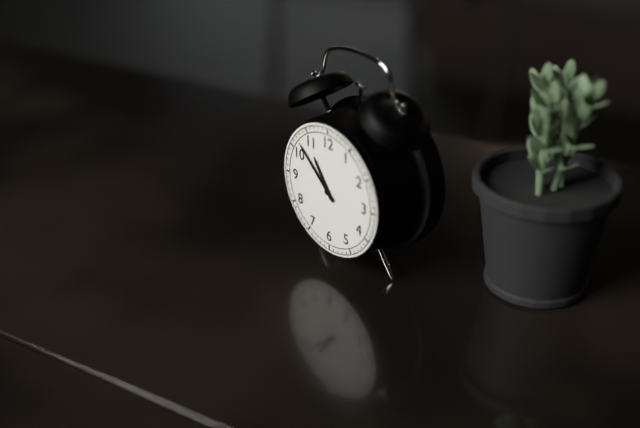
10:52
